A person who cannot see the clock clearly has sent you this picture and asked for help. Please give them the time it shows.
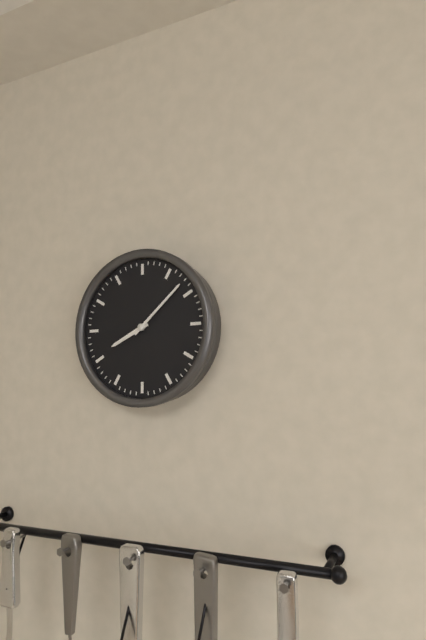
8:08
